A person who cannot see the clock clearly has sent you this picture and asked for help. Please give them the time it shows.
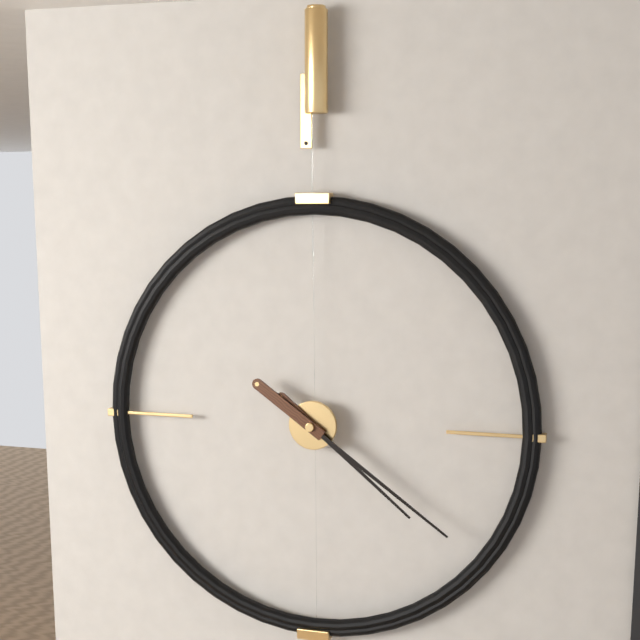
4:21
